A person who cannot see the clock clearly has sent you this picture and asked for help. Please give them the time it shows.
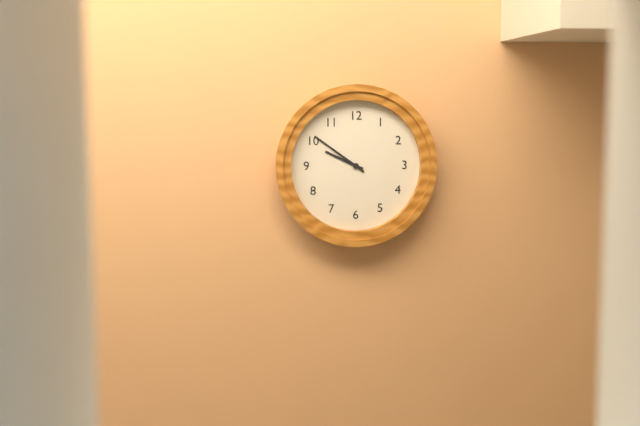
9:51
